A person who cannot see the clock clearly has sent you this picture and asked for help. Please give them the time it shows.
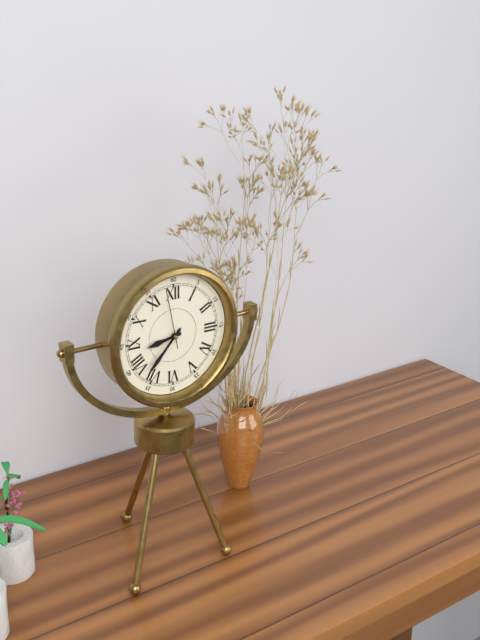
8:37:58
